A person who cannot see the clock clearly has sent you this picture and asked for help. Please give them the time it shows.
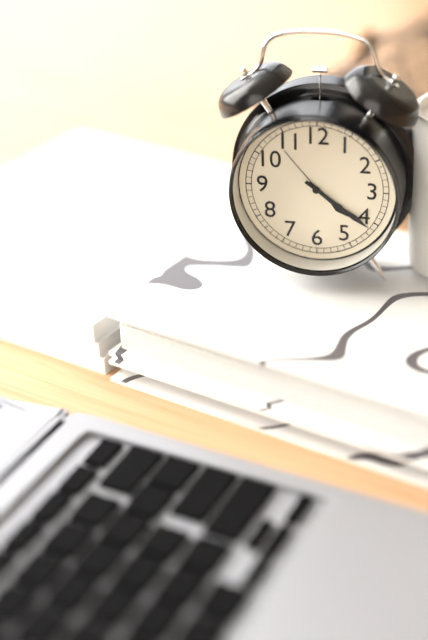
4:21
